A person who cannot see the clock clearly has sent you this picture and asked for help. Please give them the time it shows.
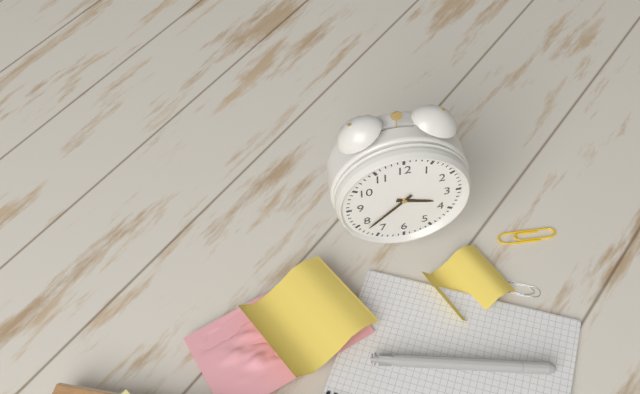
3:38
